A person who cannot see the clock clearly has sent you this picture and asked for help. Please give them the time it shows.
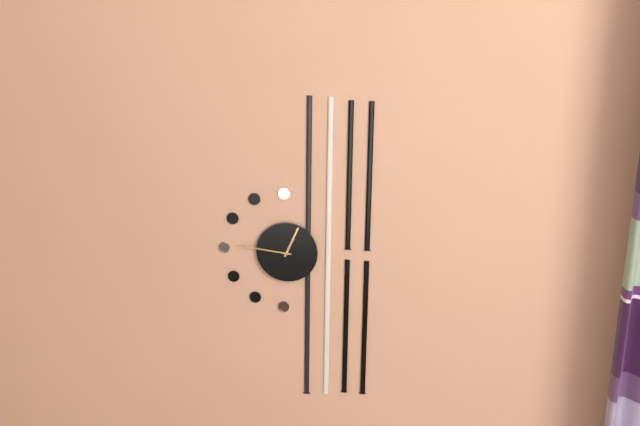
12:46
